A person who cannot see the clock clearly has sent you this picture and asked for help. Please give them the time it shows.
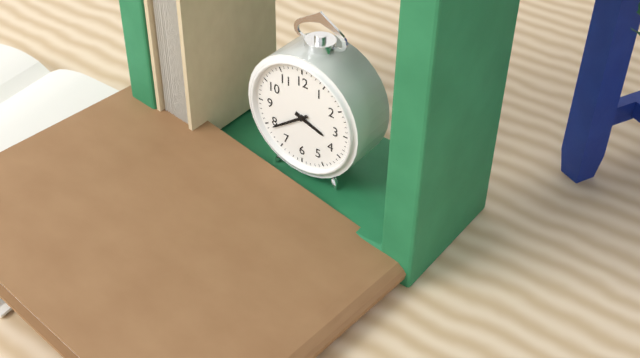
3:39
